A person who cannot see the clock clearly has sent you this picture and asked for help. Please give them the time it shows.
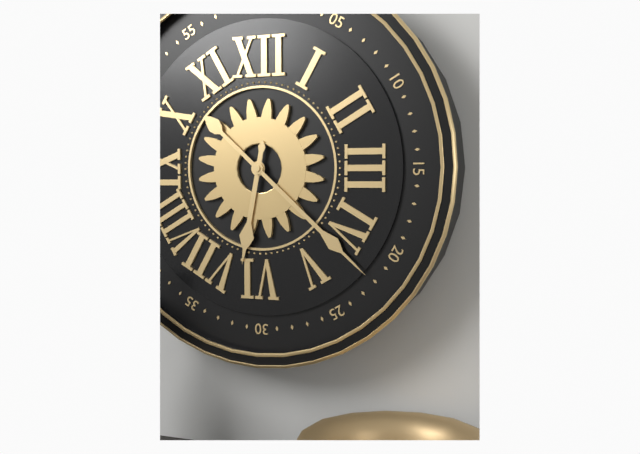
6:22
